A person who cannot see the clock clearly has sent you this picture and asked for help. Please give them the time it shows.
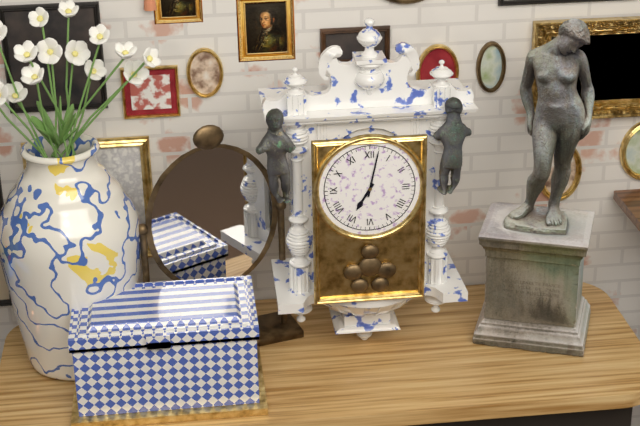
7:02
